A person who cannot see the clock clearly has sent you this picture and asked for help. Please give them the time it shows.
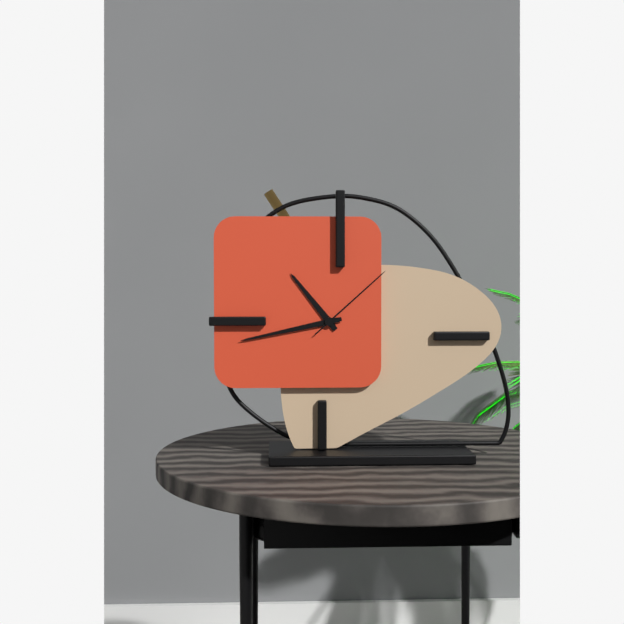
10:43:08
